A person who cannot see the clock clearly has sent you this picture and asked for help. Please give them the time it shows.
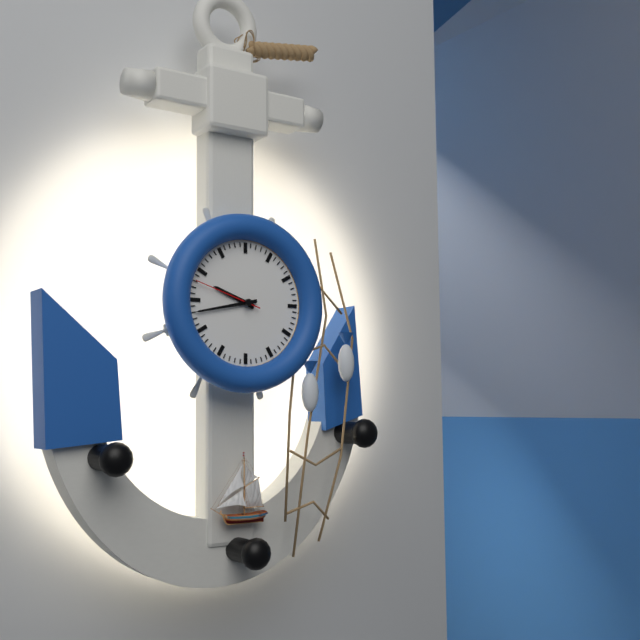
9:43:48
